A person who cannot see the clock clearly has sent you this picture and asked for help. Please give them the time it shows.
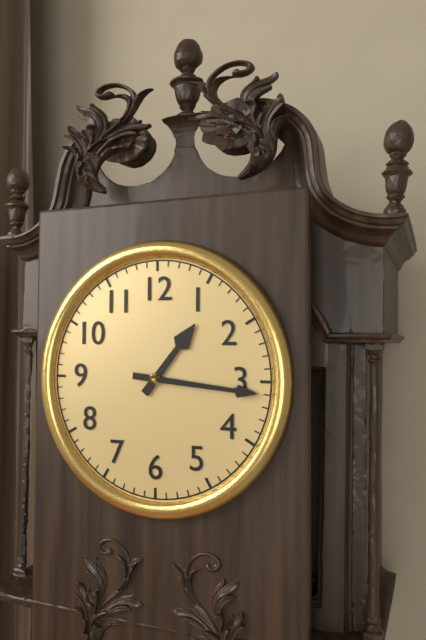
1:16
